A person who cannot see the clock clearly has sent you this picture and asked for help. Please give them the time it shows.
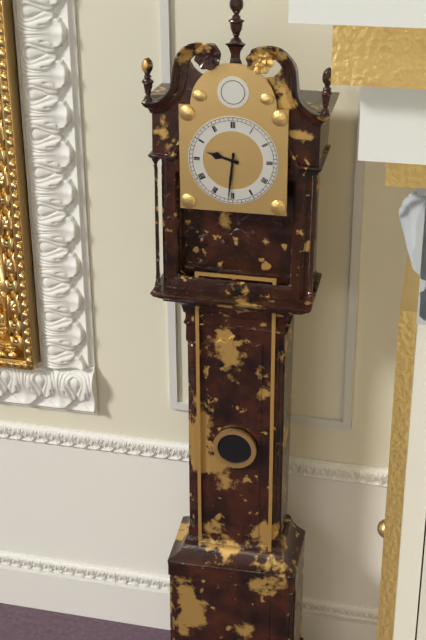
9:31
